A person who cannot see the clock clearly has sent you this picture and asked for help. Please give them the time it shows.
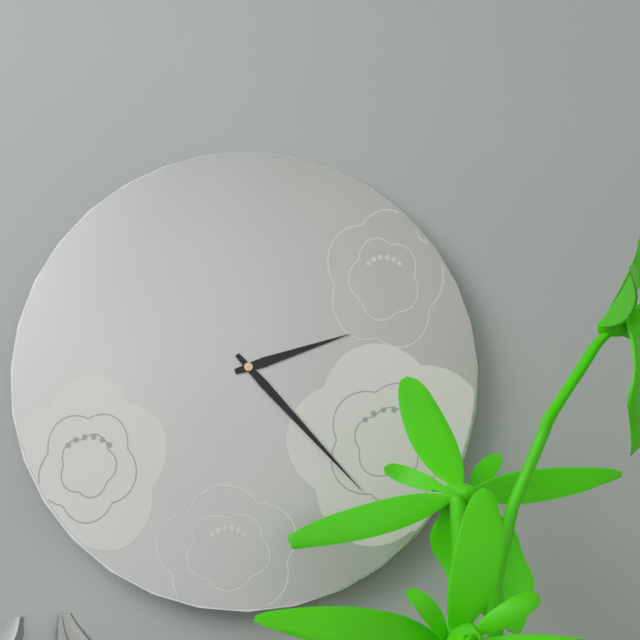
2:23
